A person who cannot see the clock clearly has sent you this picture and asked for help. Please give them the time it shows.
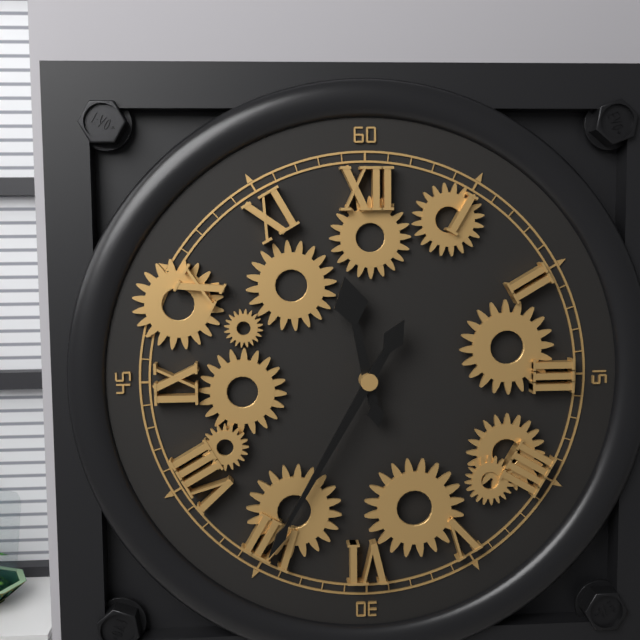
11:35
